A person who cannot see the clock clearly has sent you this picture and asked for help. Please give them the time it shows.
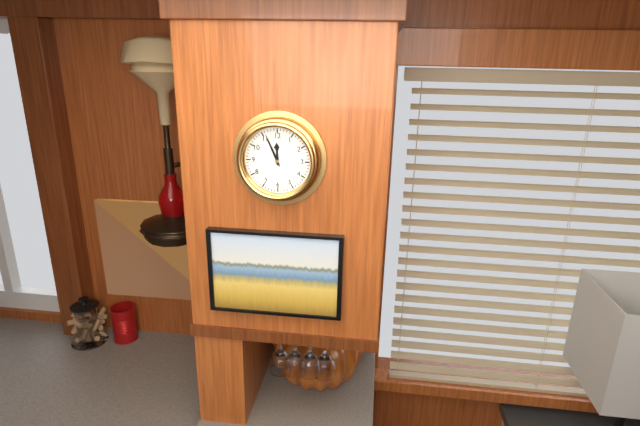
11:56
